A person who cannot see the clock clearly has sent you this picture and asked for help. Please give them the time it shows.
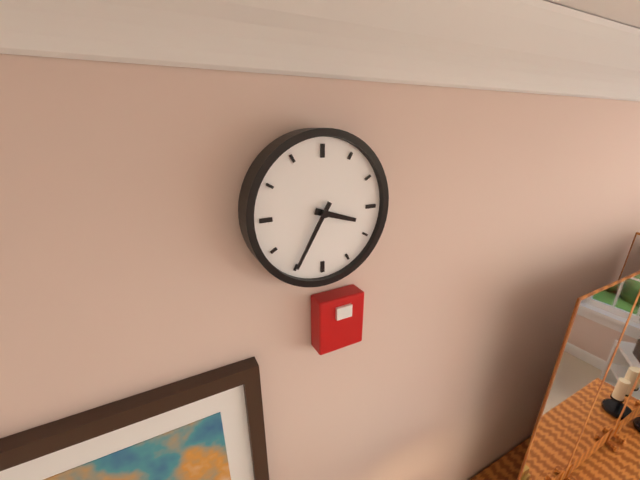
3:35
